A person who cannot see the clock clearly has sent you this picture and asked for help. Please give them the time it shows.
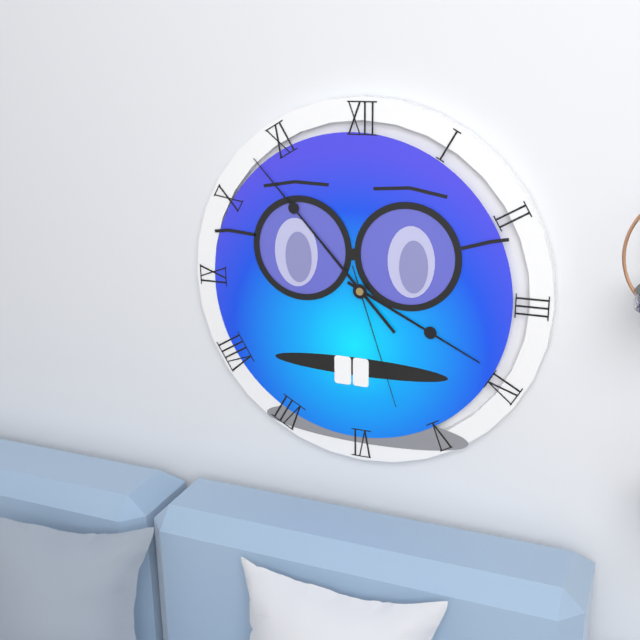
3:53:27
